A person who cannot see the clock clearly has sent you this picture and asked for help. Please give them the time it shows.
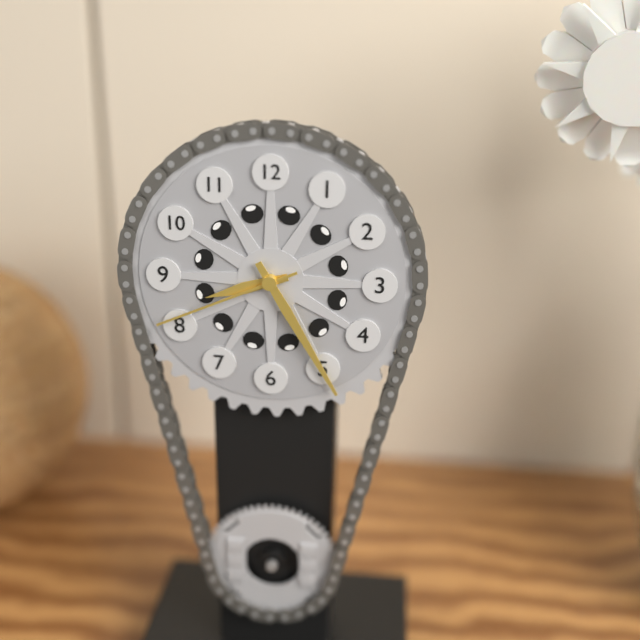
8:25:41
